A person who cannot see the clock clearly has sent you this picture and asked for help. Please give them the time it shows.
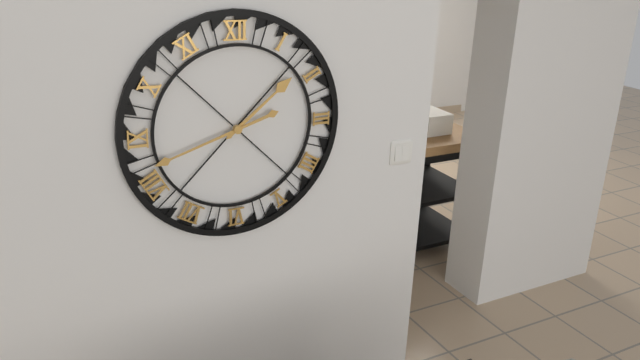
1:42
